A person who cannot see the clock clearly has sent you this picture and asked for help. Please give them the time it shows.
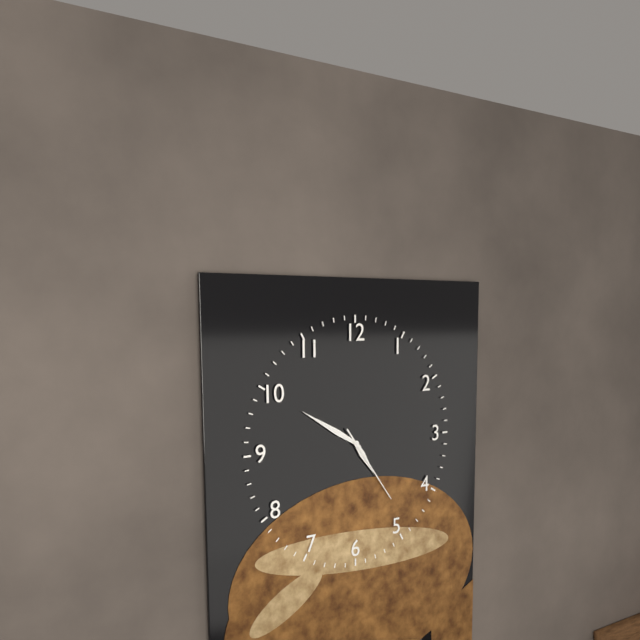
4:50:24
